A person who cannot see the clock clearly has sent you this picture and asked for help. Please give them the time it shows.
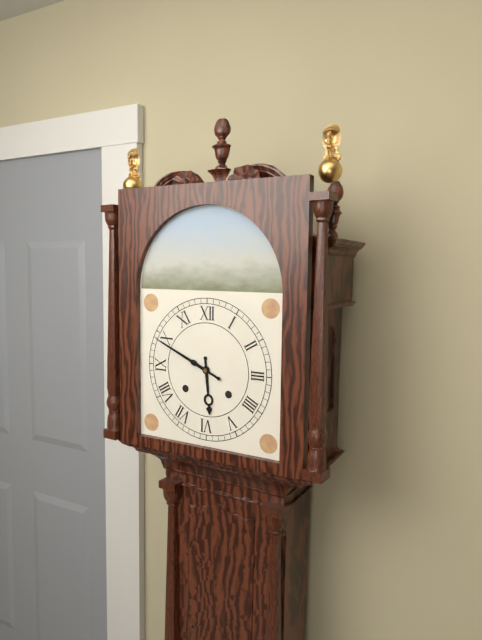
5:49
